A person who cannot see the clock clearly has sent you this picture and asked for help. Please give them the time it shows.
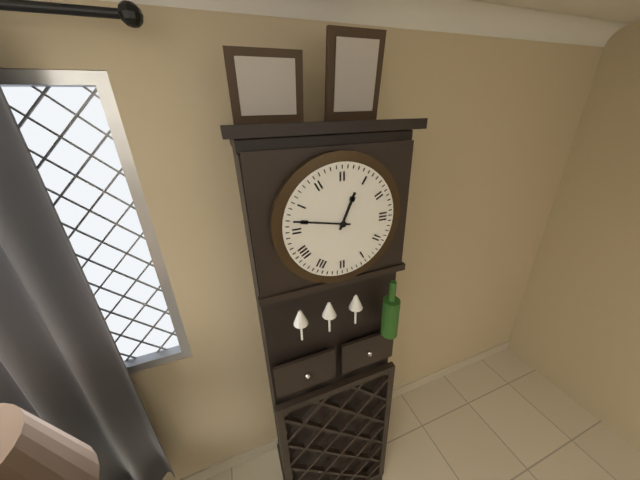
12:47
